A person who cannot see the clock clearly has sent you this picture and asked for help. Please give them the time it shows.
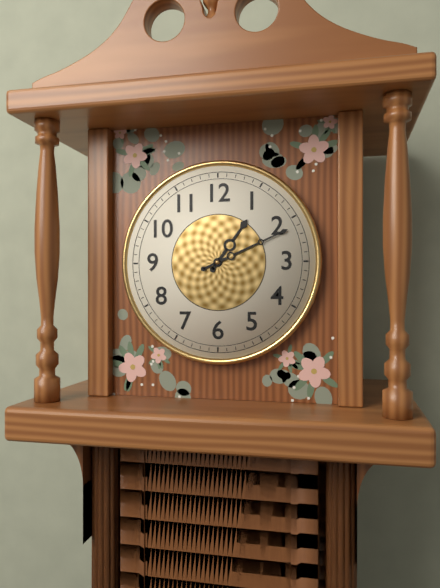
1:11
